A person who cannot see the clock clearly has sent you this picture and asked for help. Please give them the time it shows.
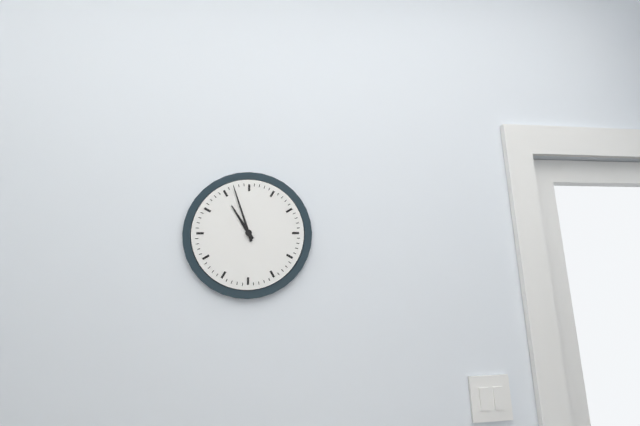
10:57
